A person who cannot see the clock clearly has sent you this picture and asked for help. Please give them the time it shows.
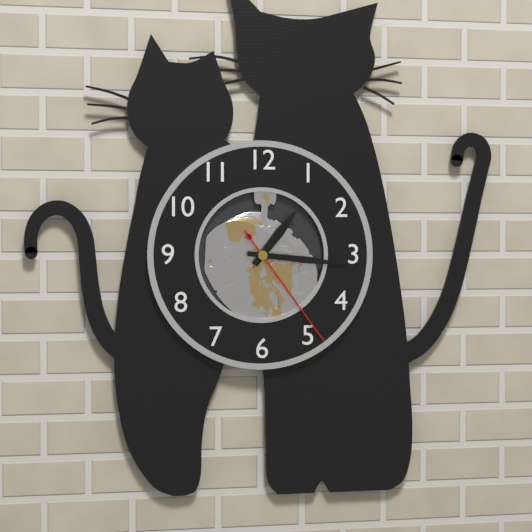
1:16:24
